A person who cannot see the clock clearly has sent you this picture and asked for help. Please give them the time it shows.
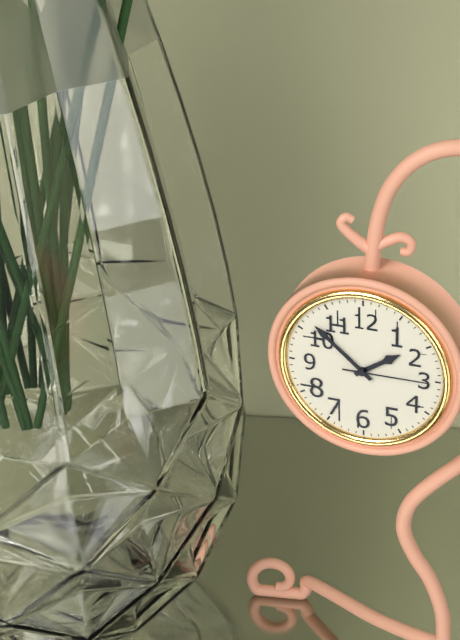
1:52:15
